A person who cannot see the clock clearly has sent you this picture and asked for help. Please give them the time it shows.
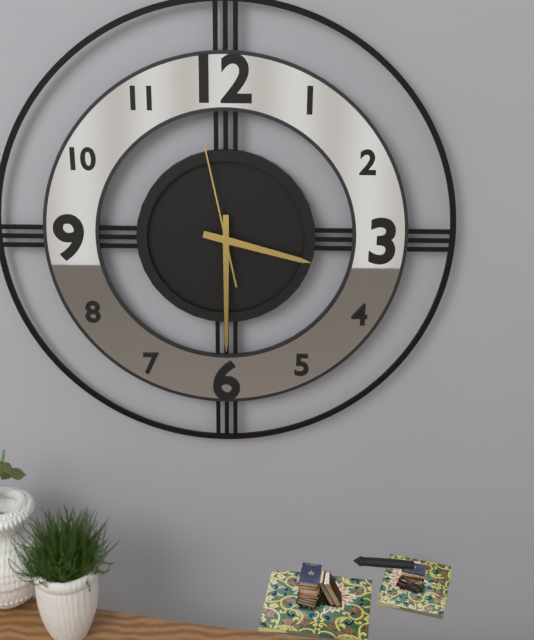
3:30:58
